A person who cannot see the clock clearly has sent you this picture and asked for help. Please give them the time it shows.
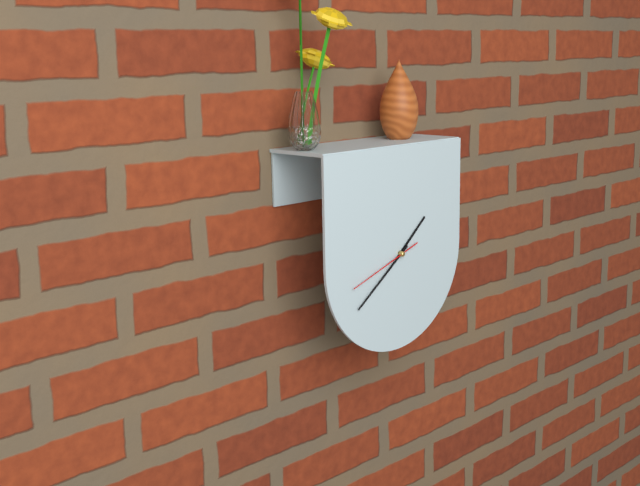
1:39:42
